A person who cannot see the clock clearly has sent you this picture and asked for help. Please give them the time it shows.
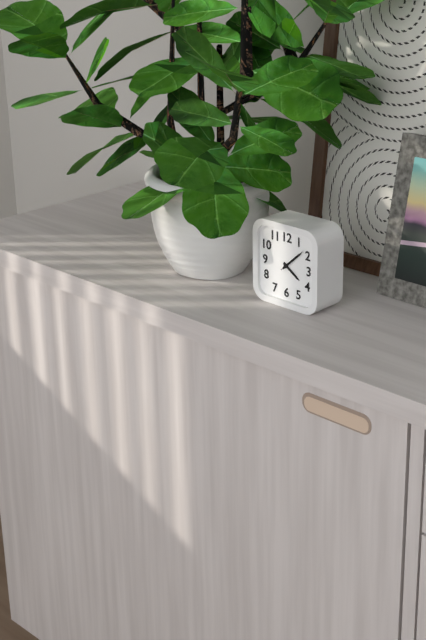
4:08
